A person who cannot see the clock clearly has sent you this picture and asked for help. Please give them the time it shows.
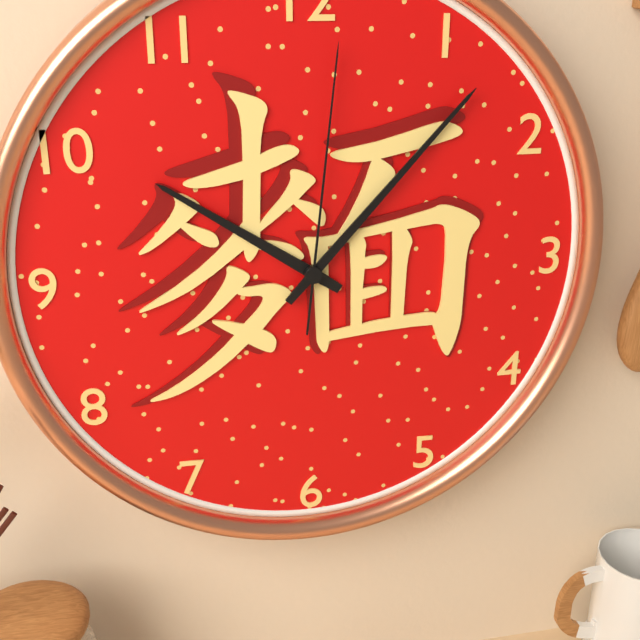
10:07:01
